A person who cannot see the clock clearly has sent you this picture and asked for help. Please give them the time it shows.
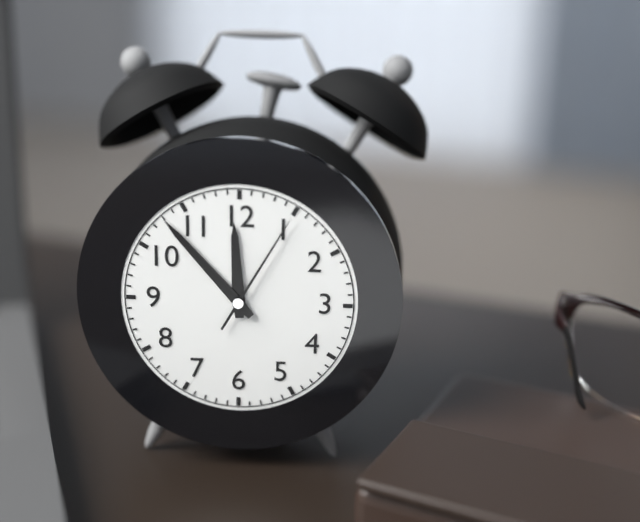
11:53:05
